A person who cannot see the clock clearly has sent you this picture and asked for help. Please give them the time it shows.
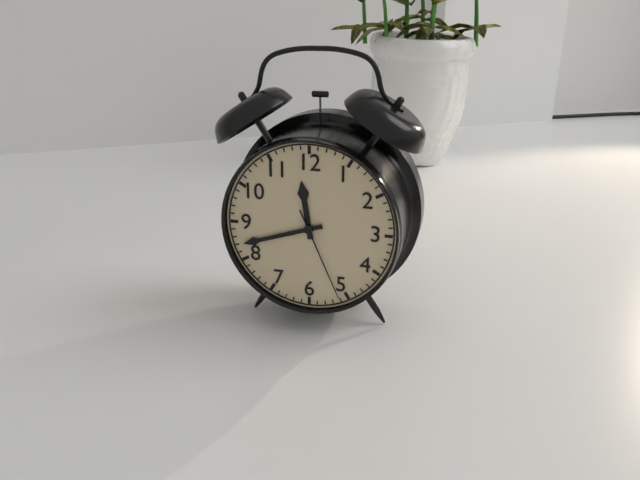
11:42:26
